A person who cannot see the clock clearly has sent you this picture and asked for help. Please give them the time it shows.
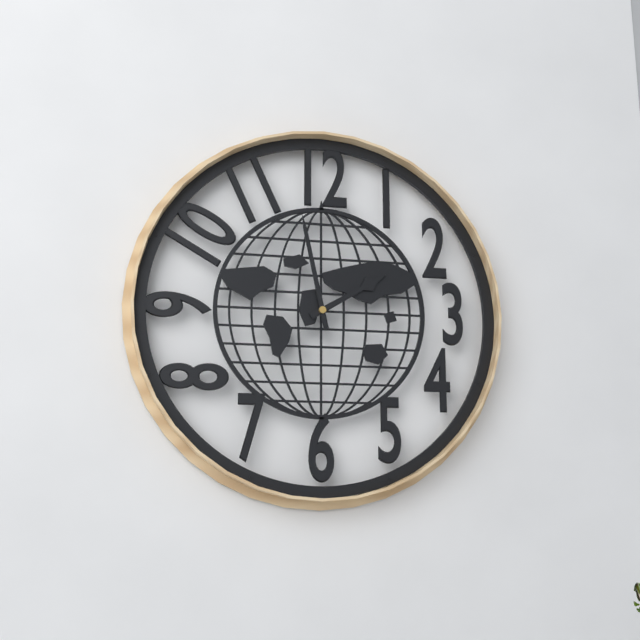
1:58
